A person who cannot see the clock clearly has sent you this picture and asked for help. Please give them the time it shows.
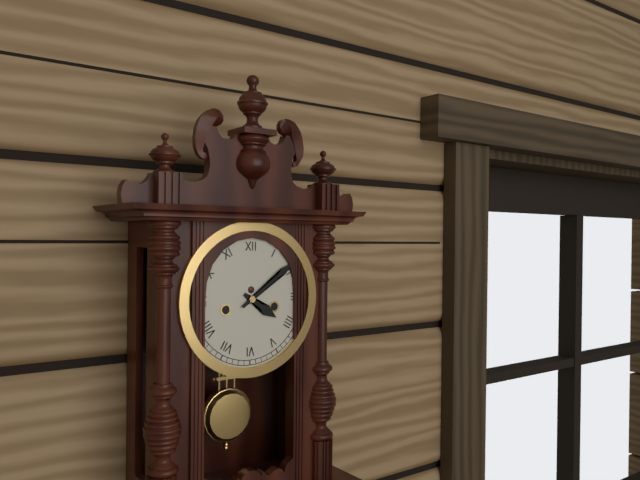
4:09
